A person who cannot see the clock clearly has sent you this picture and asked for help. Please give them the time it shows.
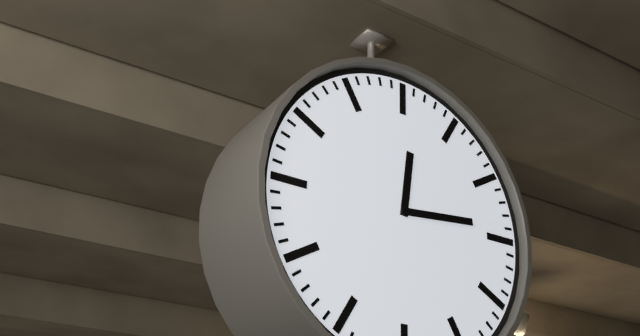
12:14
